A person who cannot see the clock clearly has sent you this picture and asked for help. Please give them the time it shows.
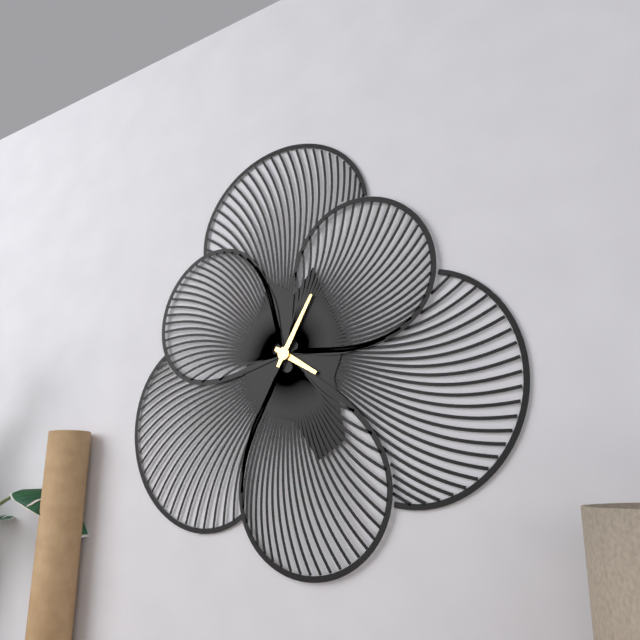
4:05
